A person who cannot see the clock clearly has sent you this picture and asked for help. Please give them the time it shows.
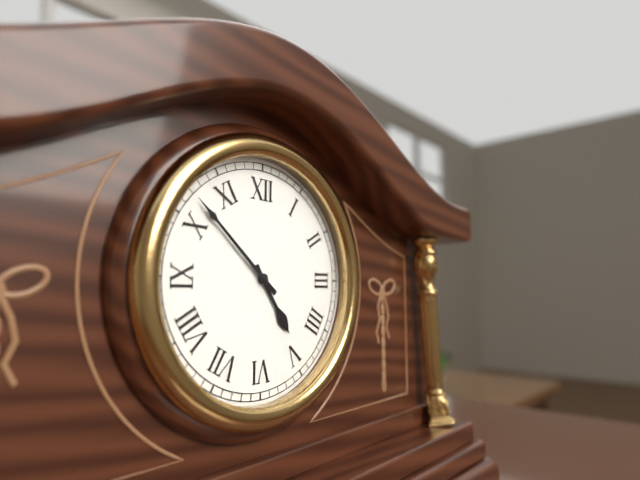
4:52
